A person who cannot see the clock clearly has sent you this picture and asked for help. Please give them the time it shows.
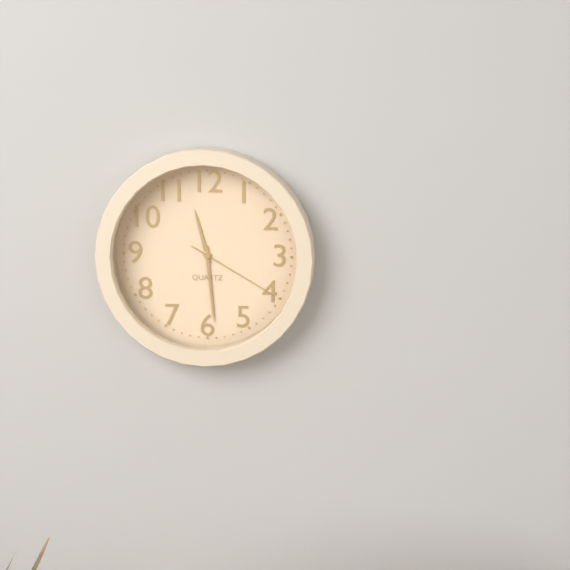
11:29:20
